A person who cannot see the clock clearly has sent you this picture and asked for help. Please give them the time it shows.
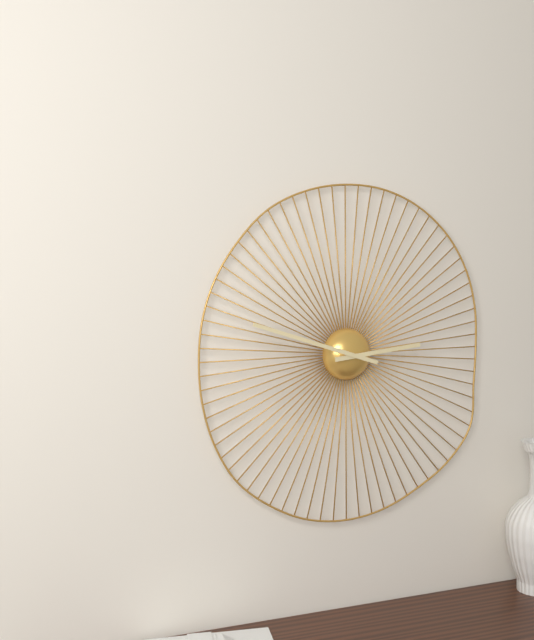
2:48
